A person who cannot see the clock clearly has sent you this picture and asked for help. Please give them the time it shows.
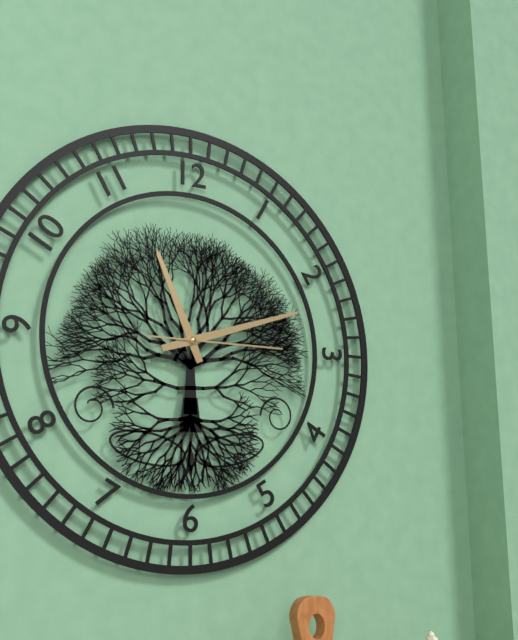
11:12:15
